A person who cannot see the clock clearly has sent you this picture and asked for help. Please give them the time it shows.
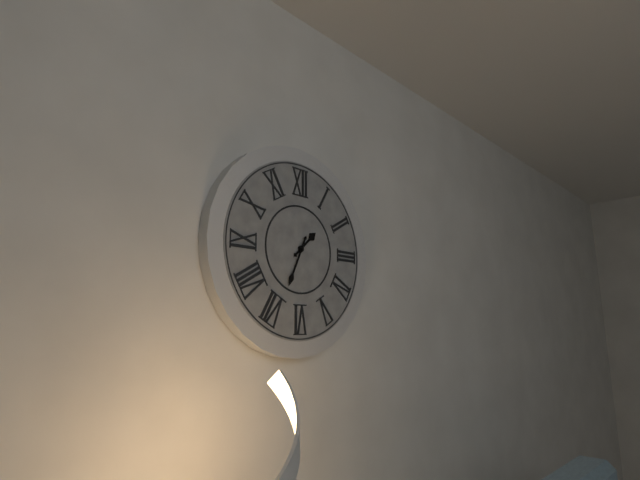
1:34
